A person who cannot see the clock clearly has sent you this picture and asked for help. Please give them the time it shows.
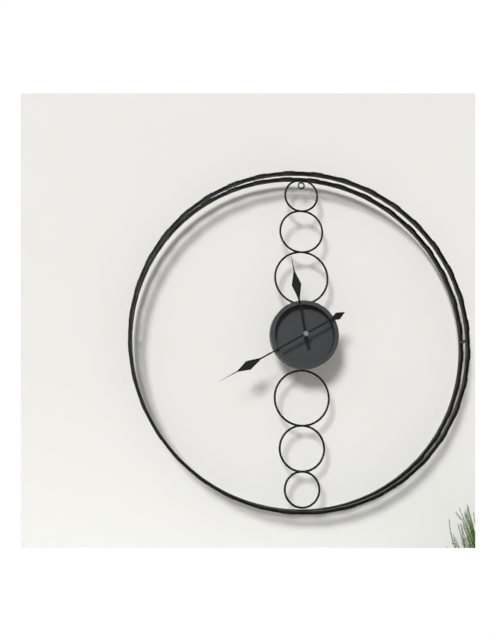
11:40
